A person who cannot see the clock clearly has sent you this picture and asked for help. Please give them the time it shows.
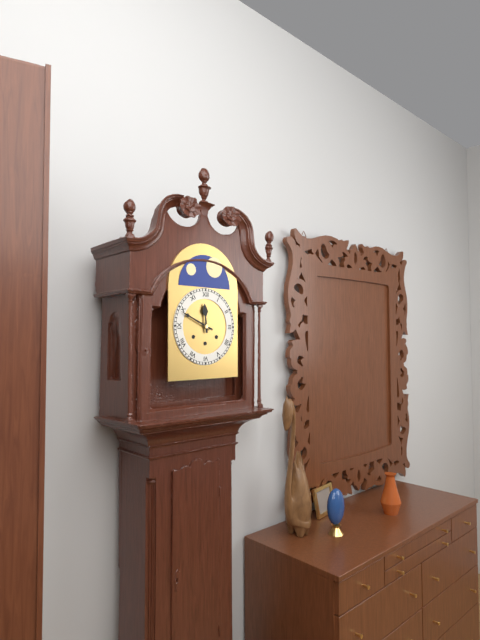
11:49
